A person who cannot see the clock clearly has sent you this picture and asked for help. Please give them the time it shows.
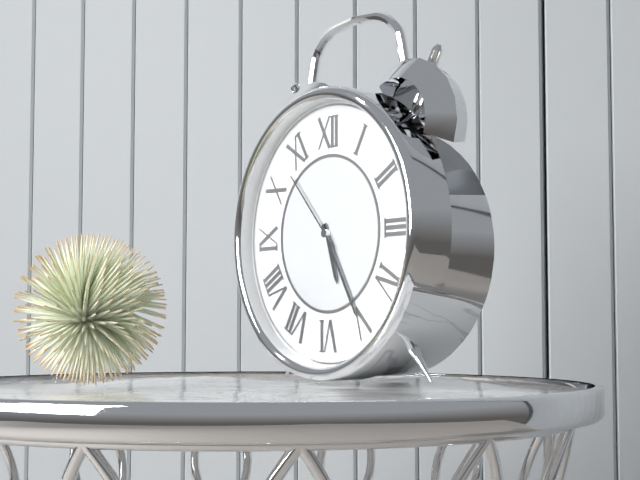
5:25:53
